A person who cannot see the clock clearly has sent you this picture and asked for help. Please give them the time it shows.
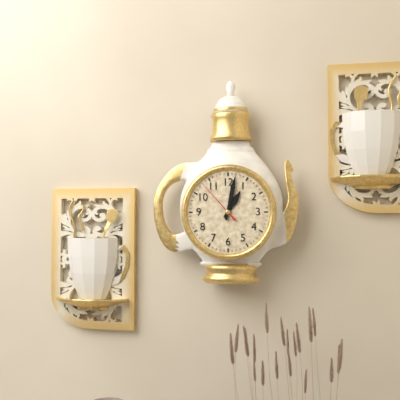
1:02
